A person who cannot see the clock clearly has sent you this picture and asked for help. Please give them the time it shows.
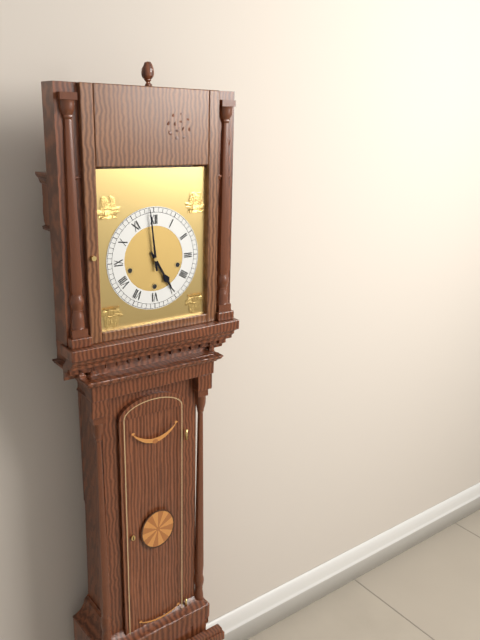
4:59
